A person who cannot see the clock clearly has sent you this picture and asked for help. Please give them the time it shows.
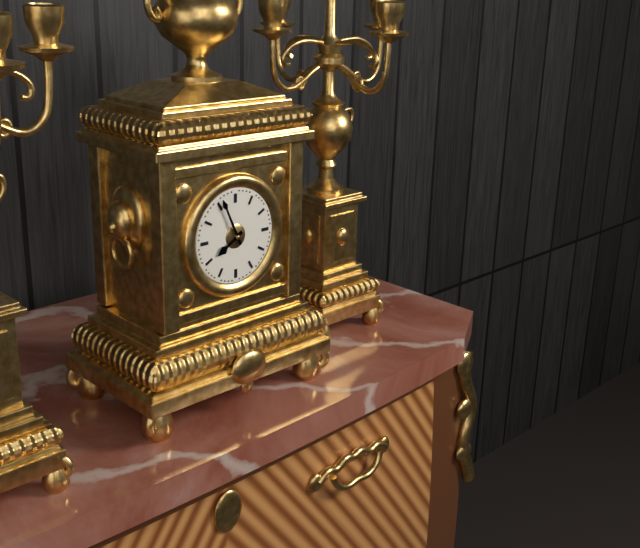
7:56
